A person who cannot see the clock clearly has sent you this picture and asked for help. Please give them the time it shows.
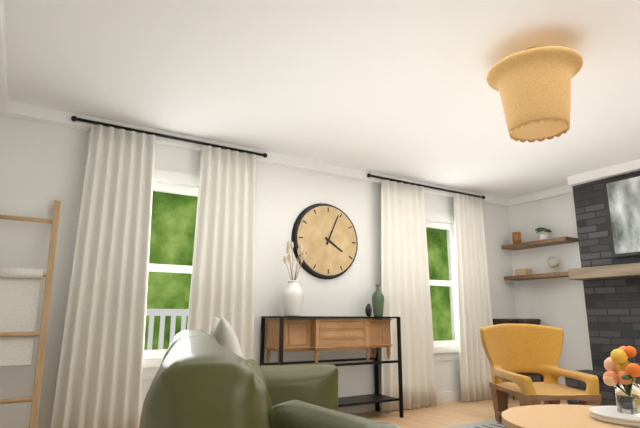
4:04
